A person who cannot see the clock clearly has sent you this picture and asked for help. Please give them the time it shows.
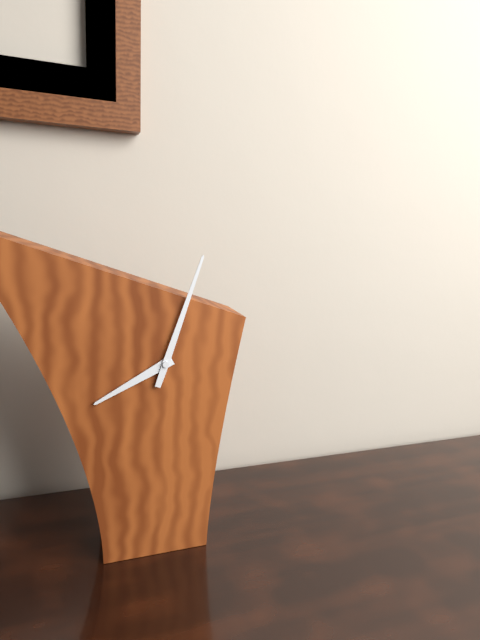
8:03
